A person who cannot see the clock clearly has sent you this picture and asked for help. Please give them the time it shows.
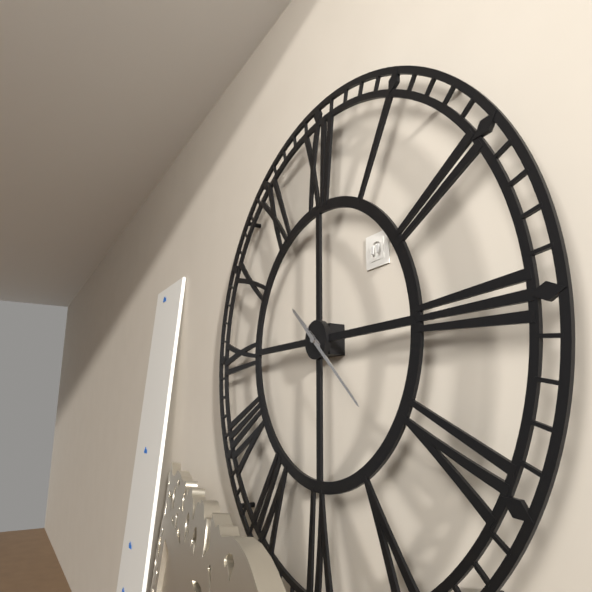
10:22
